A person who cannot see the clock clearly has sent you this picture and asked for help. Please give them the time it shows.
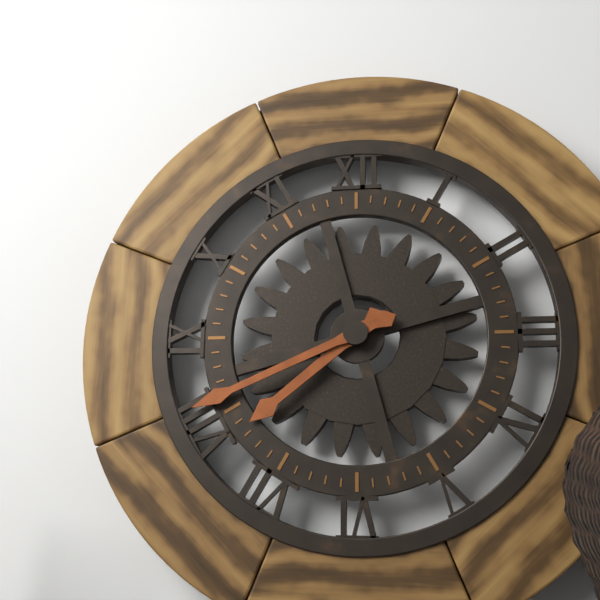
7:41
